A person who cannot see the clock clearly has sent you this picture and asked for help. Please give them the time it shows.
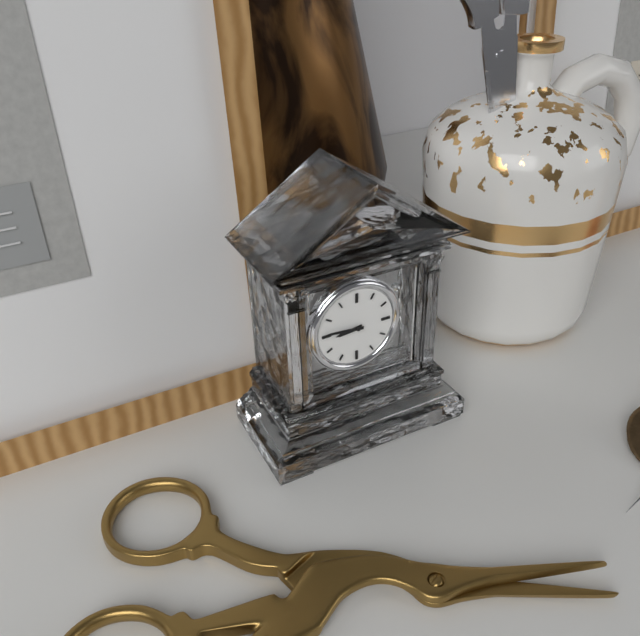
8:46
